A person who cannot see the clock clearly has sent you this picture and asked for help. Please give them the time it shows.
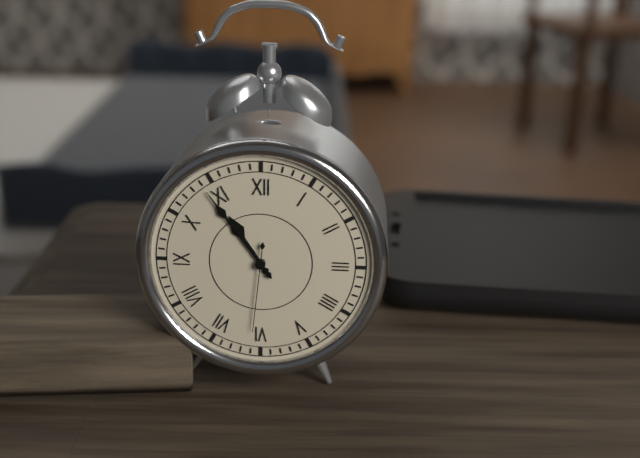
10:54:31
